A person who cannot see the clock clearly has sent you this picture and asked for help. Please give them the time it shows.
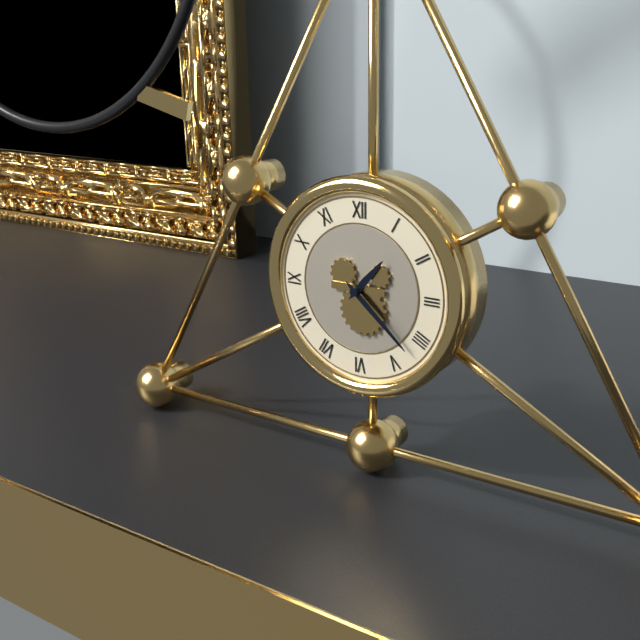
1:22
